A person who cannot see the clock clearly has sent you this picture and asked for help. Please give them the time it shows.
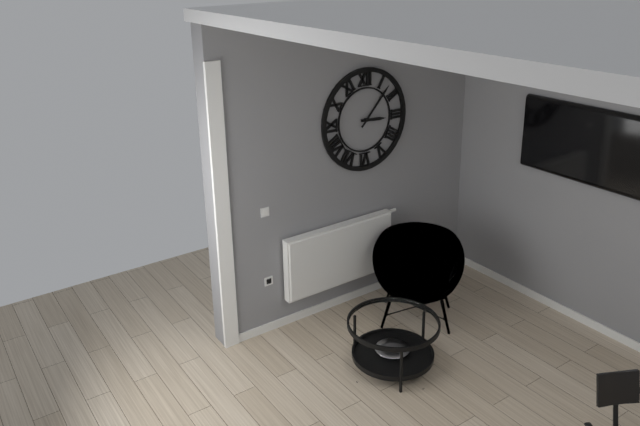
3:07
